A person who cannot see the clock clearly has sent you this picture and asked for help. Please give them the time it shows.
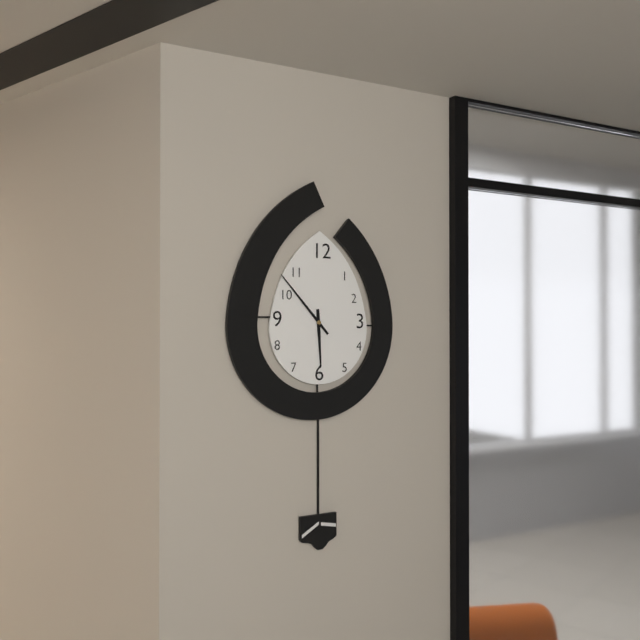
5:53
